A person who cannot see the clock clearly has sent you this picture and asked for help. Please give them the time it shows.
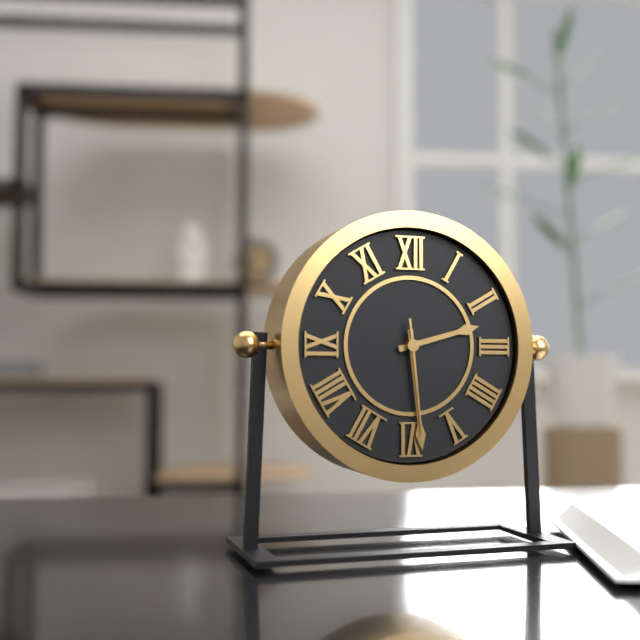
2:29:29
